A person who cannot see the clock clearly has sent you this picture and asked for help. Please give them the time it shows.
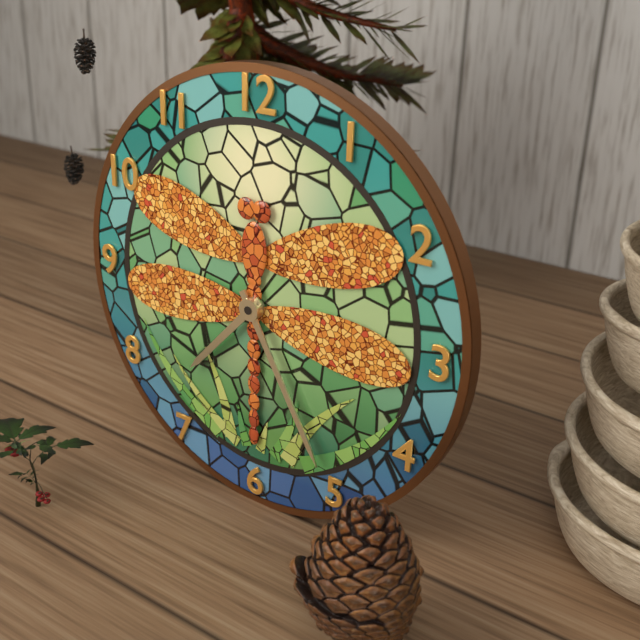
7:25
